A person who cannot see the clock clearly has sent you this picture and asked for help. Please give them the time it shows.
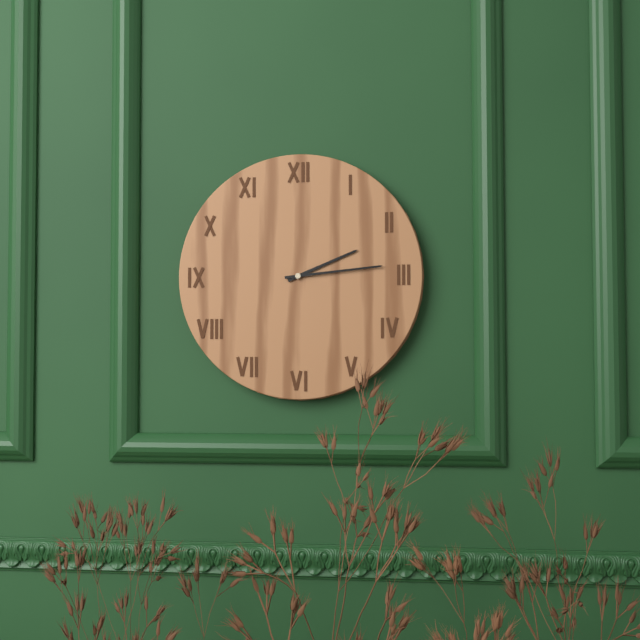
2:14
